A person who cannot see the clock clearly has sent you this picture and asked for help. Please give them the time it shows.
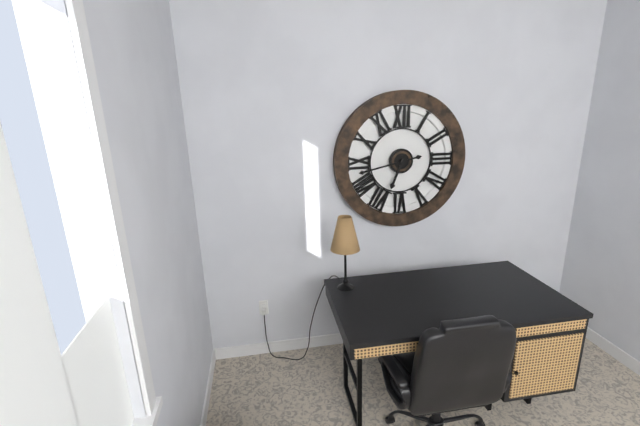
6:43
